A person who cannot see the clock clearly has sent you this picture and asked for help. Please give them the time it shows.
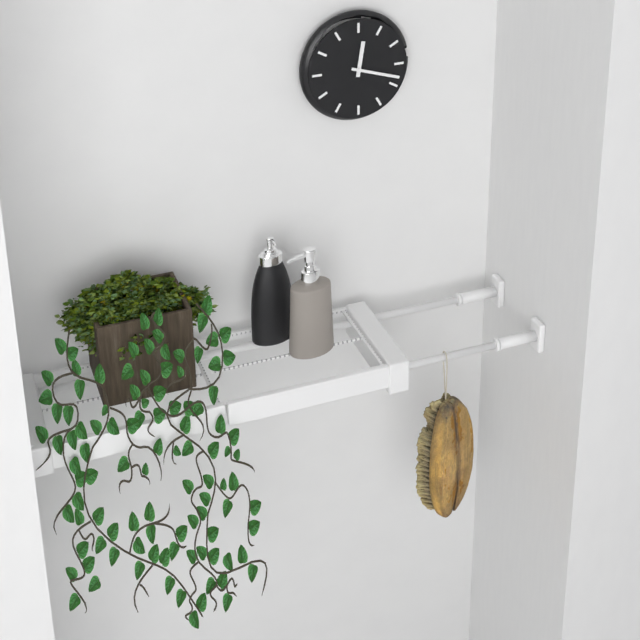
12:18
